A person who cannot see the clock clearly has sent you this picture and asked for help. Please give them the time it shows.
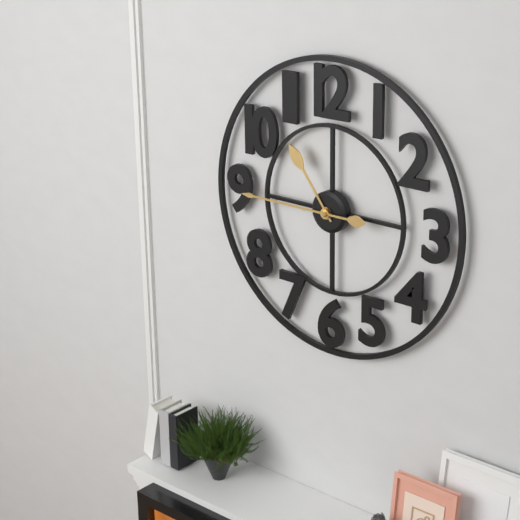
10:45
